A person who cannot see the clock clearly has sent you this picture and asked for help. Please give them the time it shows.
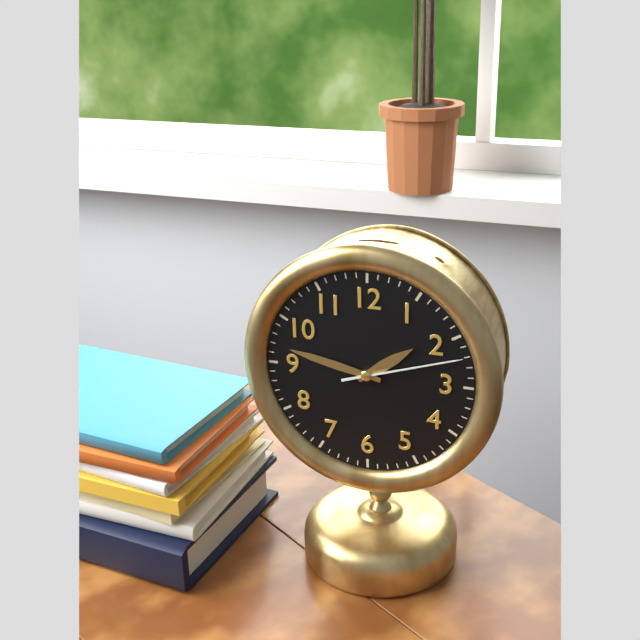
1:47:12
